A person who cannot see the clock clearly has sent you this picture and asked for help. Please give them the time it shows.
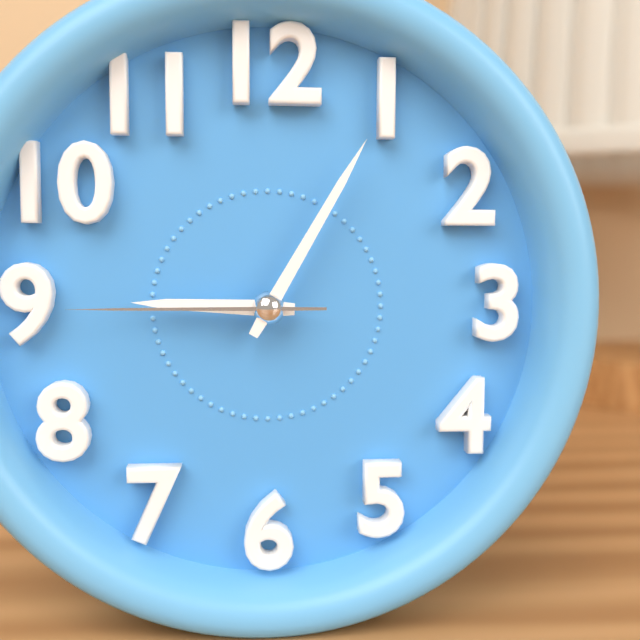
9:05:45
